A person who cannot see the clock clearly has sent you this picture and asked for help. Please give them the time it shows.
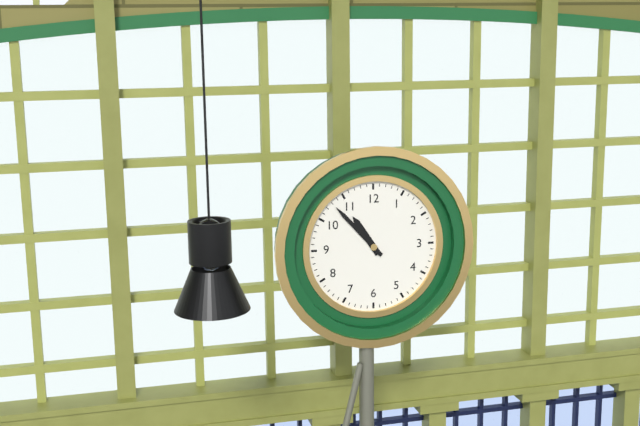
10:53
